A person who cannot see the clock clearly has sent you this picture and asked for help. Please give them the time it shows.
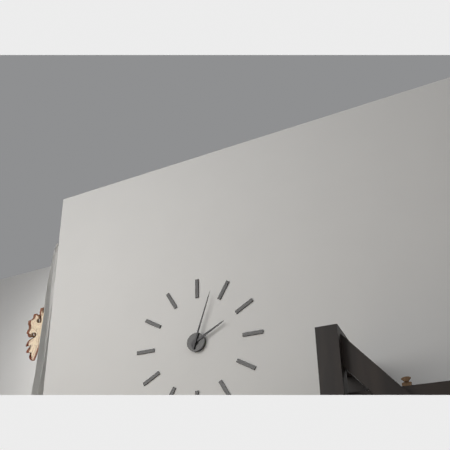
2:03
